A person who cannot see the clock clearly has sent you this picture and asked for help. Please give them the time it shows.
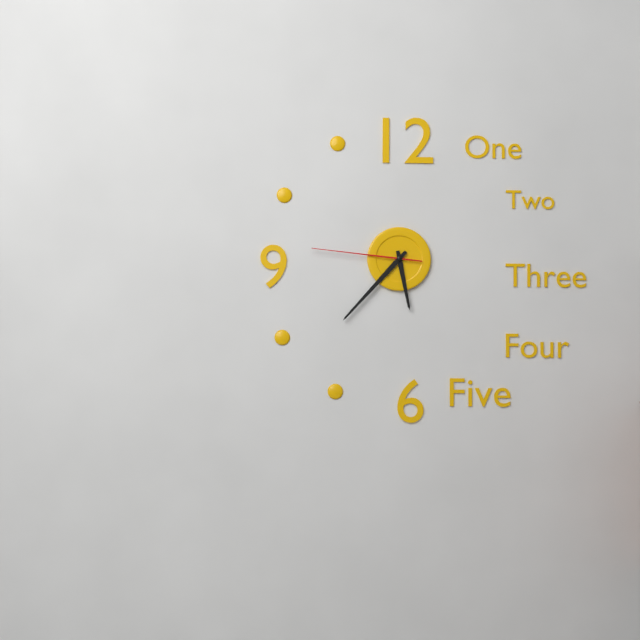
5:37:46
